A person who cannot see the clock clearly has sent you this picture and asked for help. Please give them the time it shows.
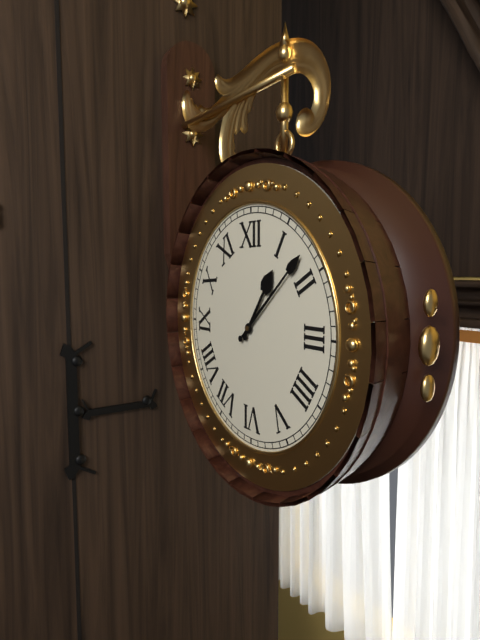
1:08
